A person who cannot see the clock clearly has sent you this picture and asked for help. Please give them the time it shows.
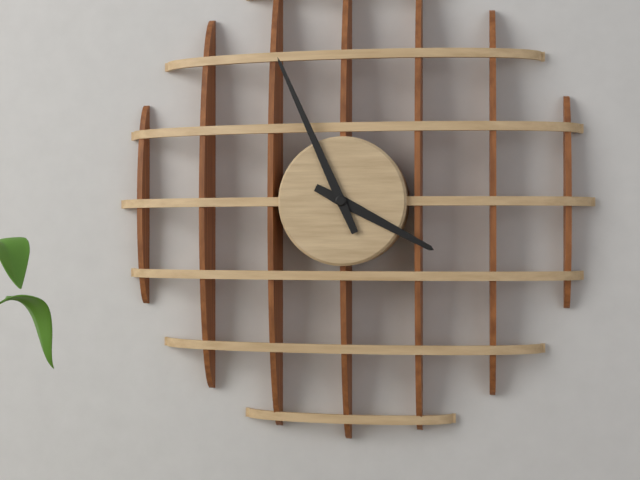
3:56
